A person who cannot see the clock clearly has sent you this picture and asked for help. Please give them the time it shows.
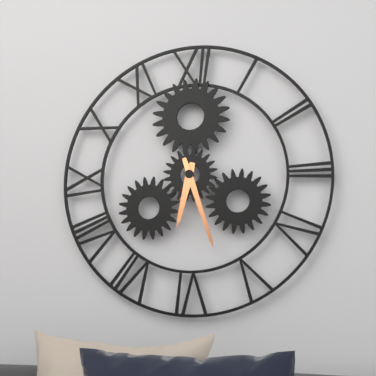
6:27
